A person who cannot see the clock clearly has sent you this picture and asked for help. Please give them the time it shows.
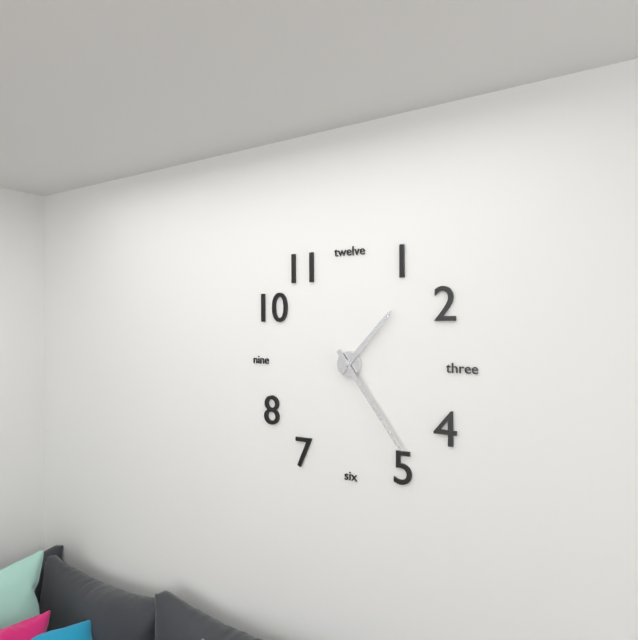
1:24
